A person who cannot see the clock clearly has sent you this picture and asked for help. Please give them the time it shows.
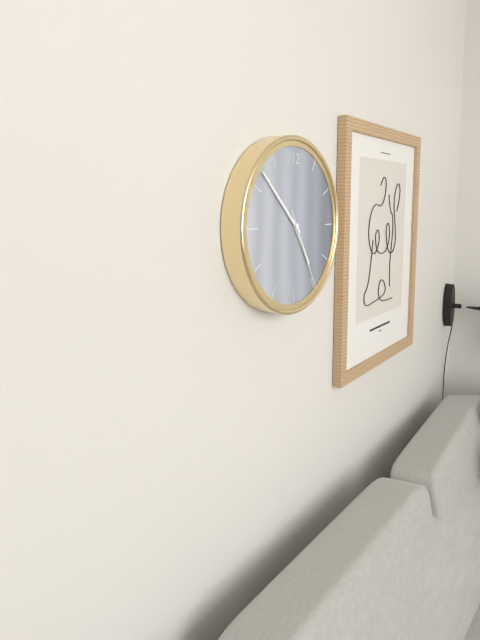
4:52:25
